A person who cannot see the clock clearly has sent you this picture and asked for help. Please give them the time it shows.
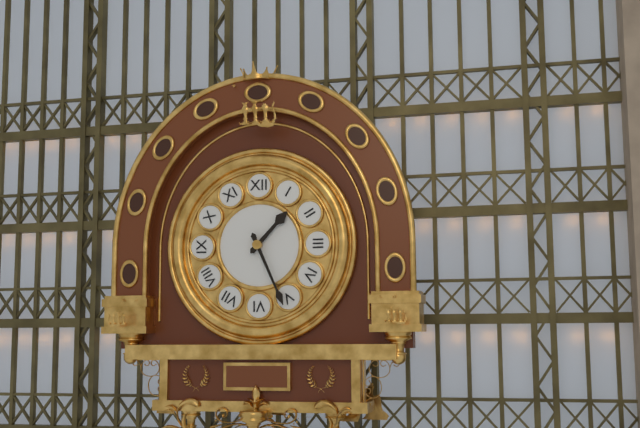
1:26
